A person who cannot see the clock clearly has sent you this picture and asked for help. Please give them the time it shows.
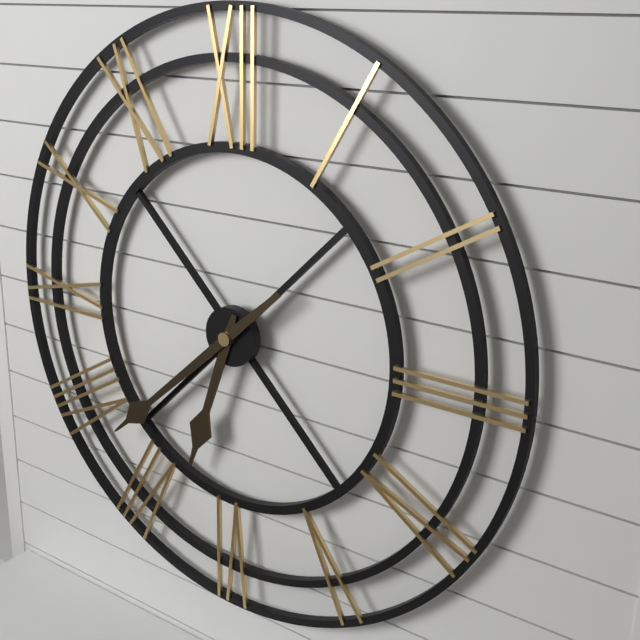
6:38
